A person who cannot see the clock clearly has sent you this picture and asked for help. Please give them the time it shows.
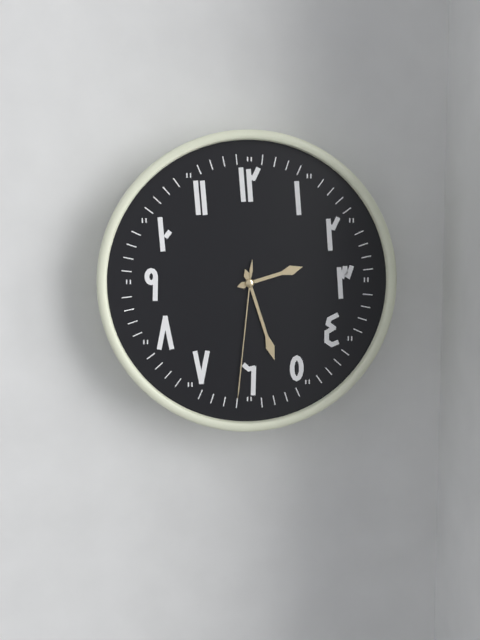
2:27:31
